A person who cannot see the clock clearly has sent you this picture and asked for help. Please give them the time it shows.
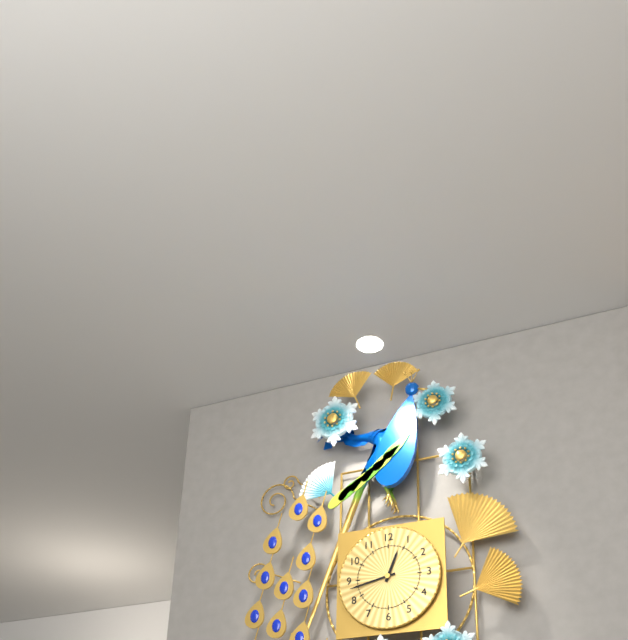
12:43
